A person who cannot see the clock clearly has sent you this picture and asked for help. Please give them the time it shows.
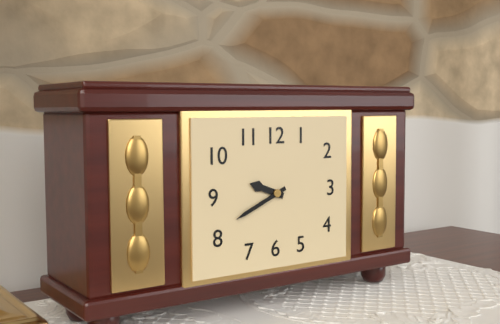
9:41
